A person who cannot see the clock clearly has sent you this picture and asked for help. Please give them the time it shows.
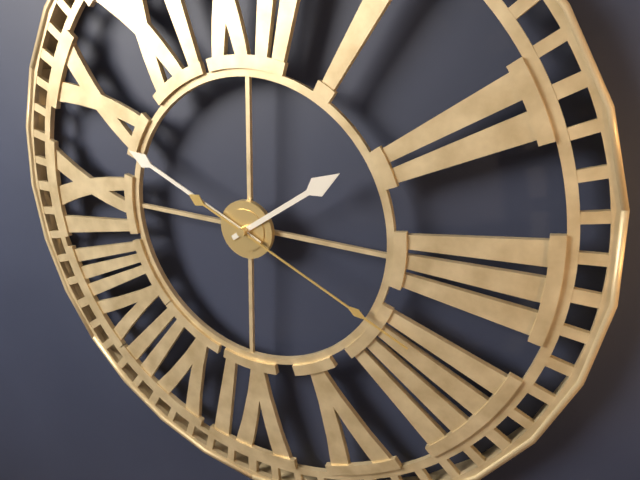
1:49:19
